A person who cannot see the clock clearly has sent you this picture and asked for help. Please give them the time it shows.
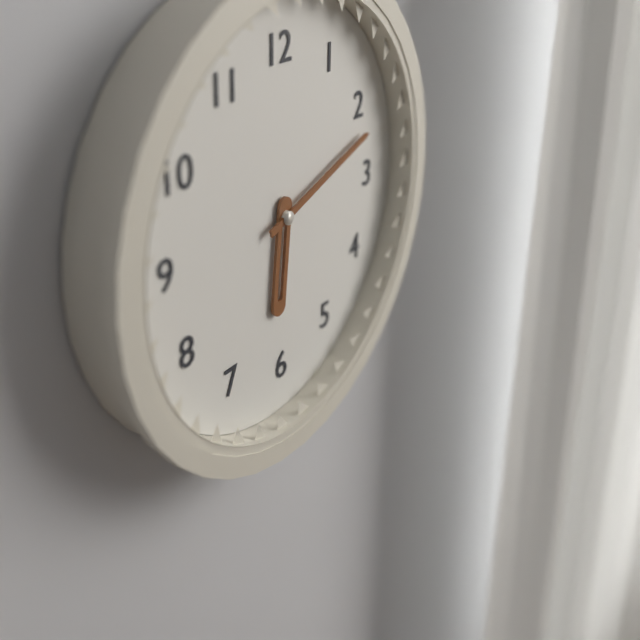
6:12
